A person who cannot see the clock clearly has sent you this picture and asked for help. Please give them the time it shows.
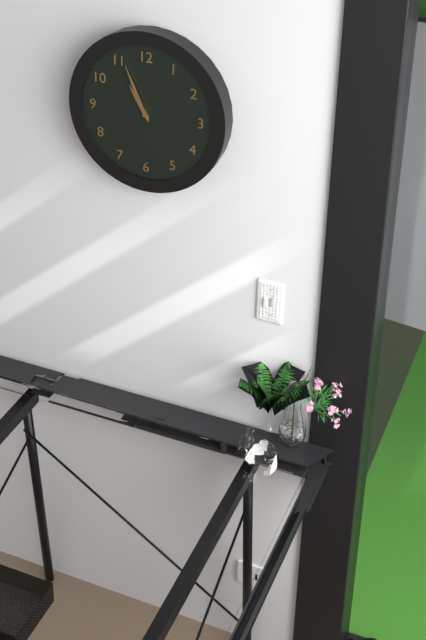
10:56
